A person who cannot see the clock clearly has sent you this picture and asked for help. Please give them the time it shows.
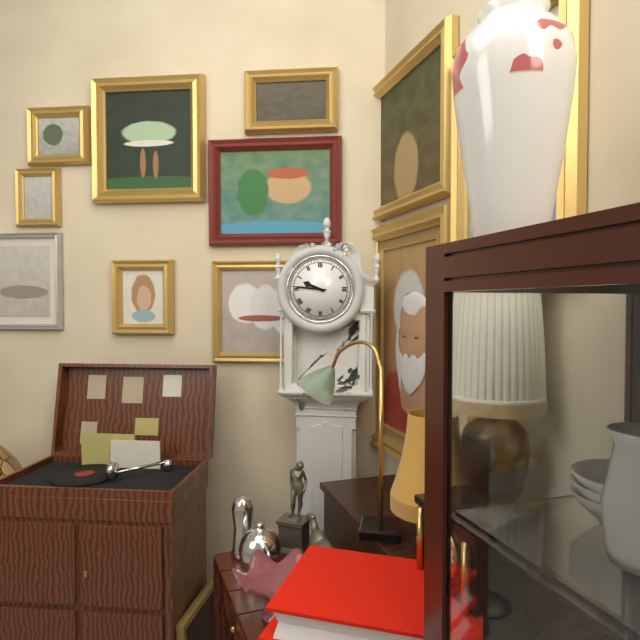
9:46
